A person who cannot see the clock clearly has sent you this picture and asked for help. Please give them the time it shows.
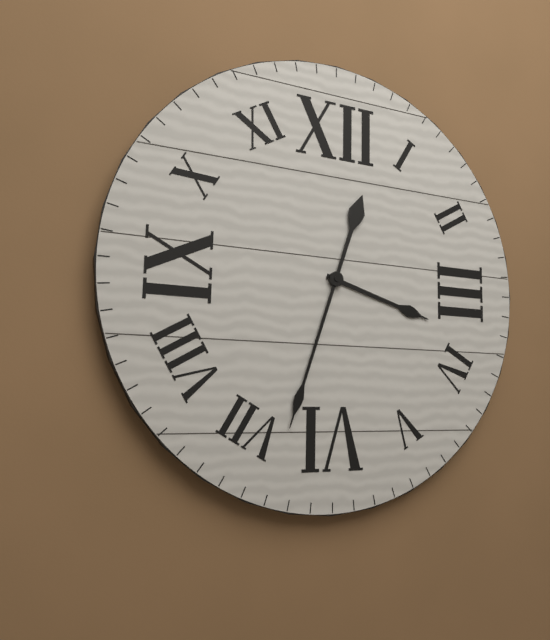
3:33
